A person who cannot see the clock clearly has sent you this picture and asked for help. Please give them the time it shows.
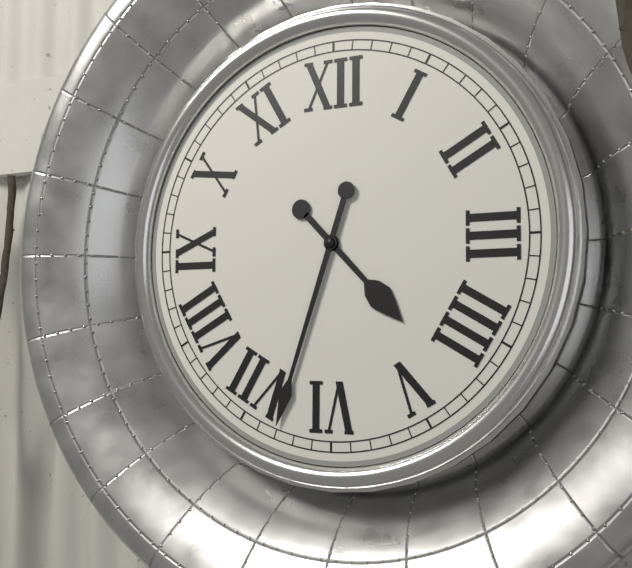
4:33
